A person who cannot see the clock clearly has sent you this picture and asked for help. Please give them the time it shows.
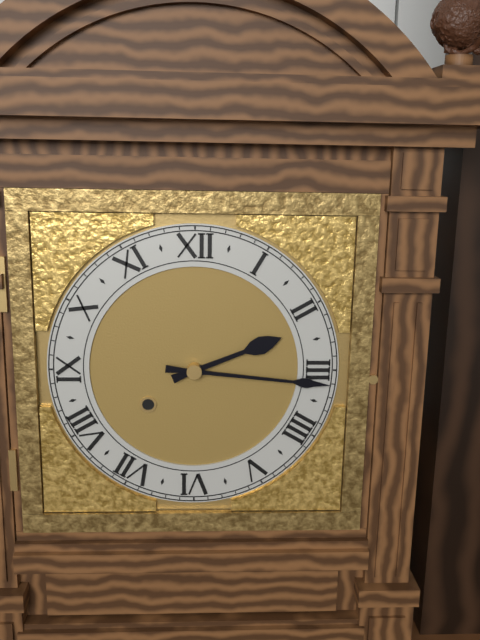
2:16
